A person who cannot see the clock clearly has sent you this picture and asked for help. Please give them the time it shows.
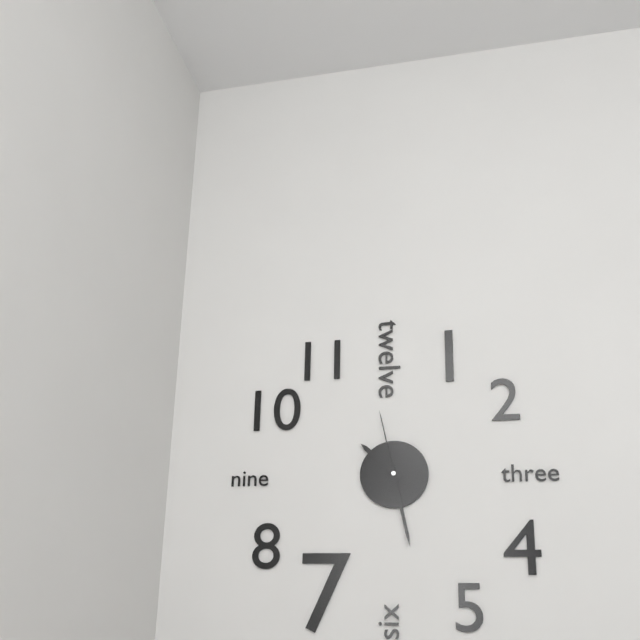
10:28:58
